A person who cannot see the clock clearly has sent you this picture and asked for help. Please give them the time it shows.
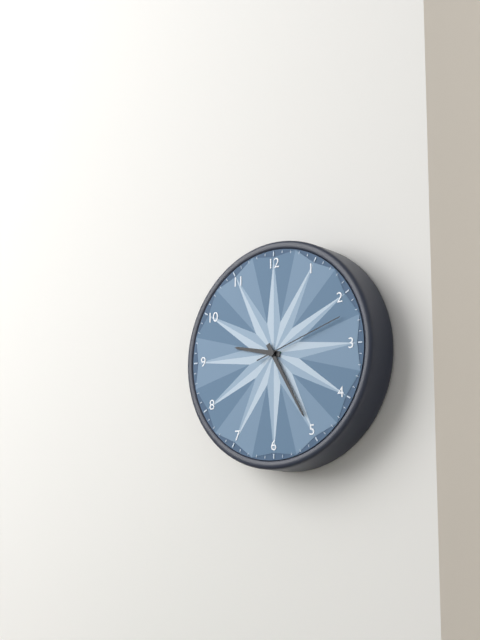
9:25:12
